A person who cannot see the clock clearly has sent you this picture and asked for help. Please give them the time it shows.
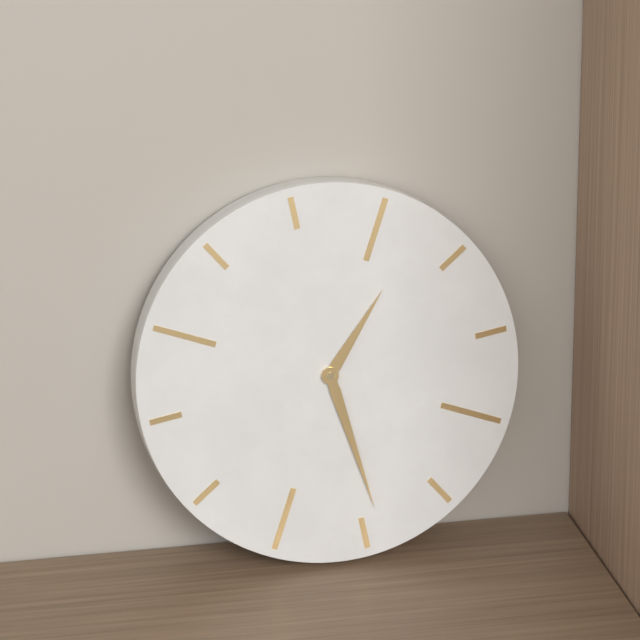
1:29
